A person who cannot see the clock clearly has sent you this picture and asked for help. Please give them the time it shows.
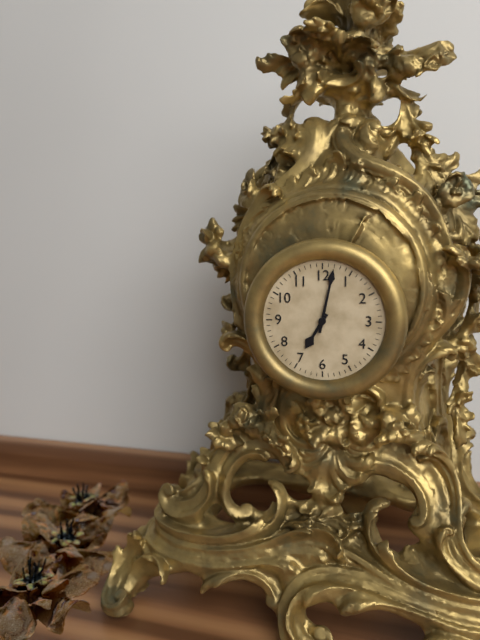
7:02
